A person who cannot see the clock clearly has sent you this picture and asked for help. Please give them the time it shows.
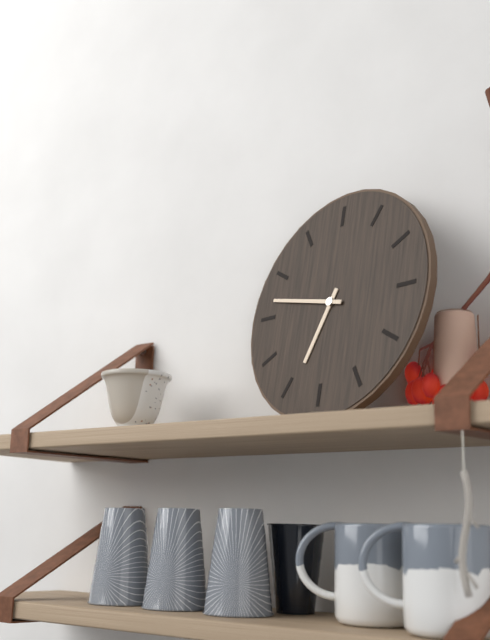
6:47
